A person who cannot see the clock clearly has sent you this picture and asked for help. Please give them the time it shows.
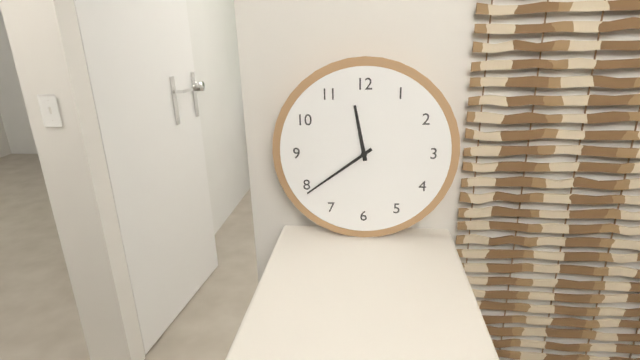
11:39
